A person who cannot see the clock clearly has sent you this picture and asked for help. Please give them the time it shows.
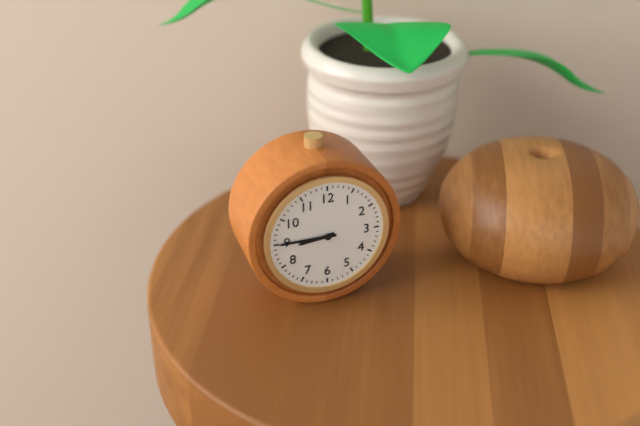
8:45
